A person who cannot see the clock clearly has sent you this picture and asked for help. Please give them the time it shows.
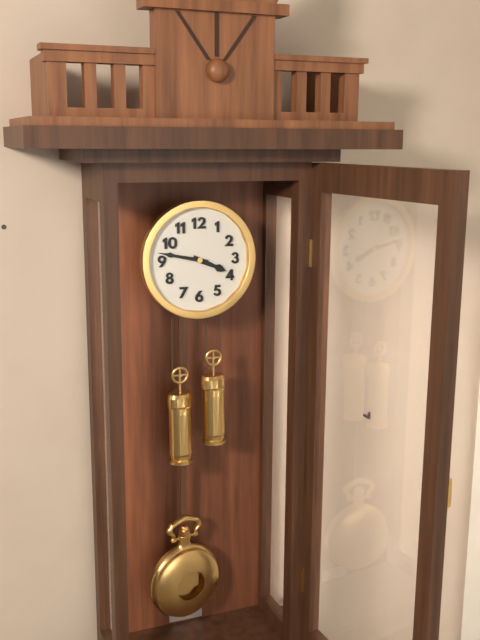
3:47
